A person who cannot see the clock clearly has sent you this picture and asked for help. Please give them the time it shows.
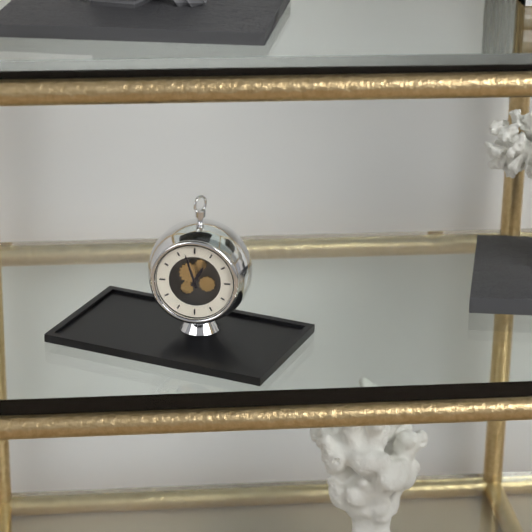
12:57
